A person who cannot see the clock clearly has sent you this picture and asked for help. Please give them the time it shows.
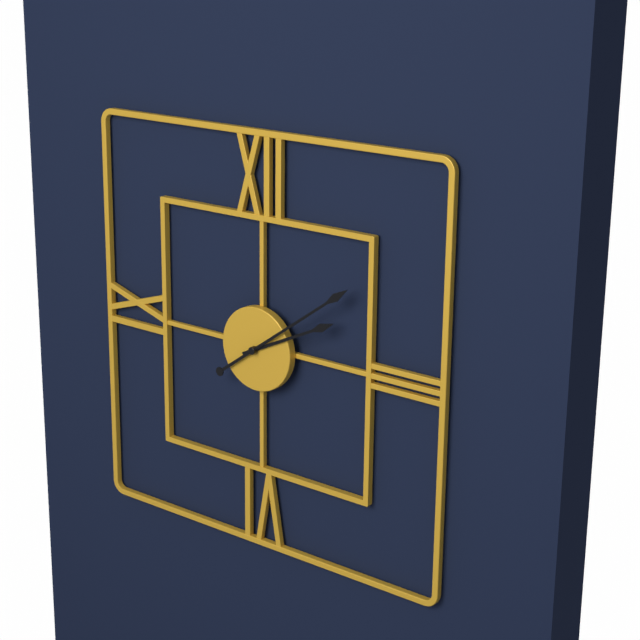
2:09
